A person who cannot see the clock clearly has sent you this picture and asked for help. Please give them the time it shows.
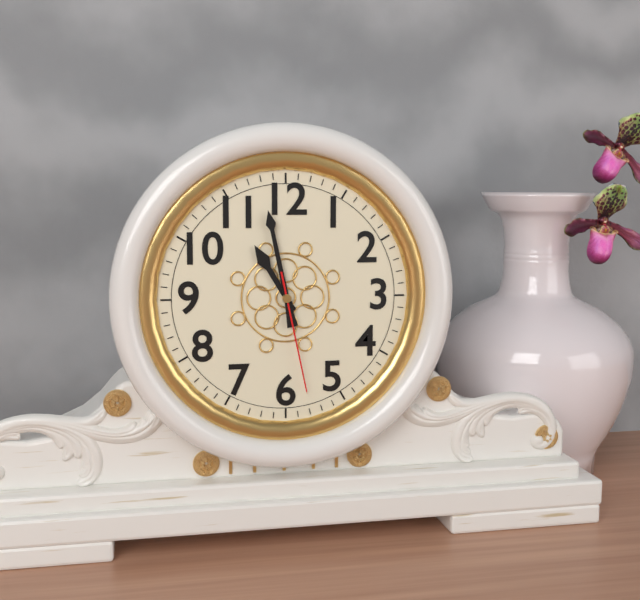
10:58:28
